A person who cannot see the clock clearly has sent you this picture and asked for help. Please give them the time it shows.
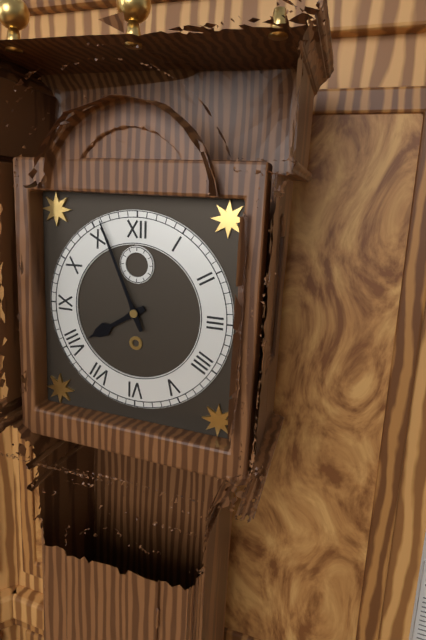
7:56
